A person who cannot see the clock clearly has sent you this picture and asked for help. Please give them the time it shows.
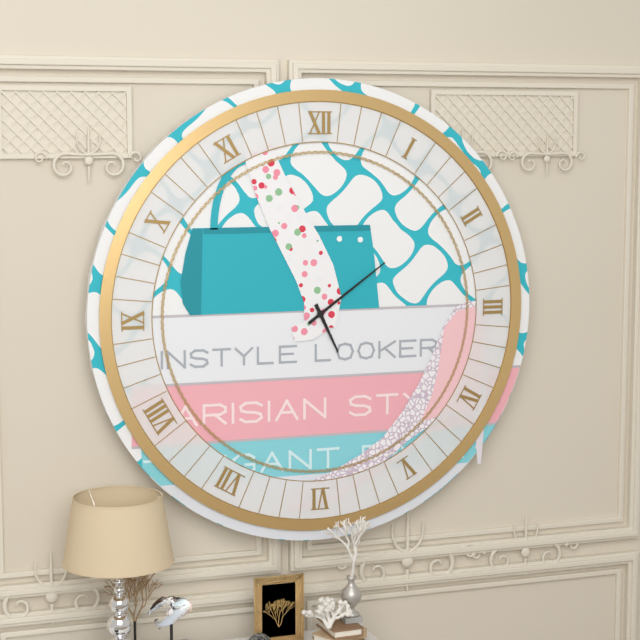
5:09
